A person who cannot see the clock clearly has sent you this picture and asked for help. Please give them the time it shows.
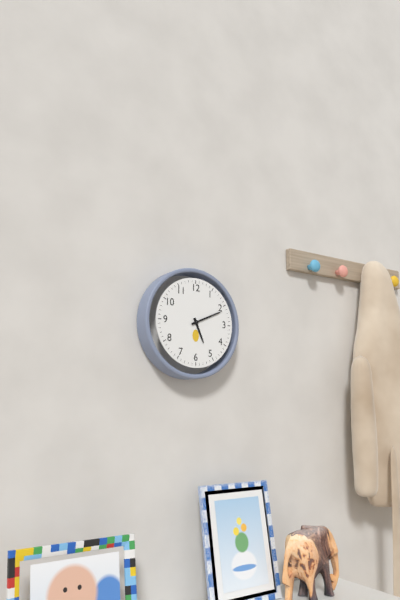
5:11
